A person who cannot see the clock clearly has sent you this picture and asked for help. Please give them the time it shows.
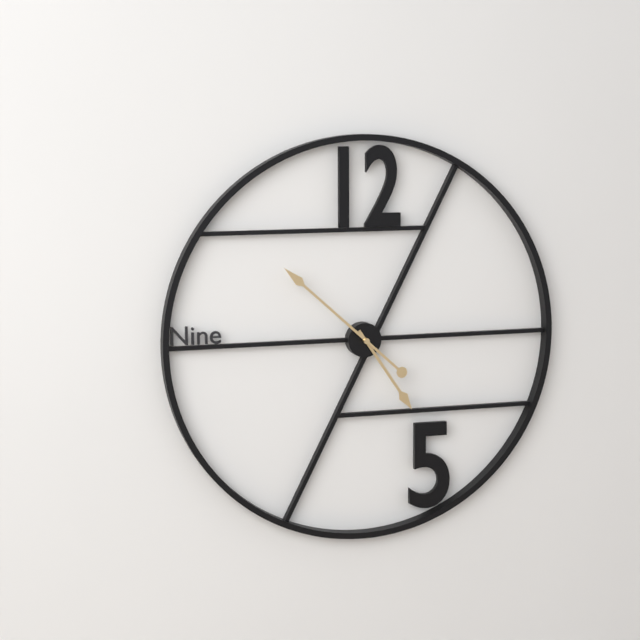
4:52
